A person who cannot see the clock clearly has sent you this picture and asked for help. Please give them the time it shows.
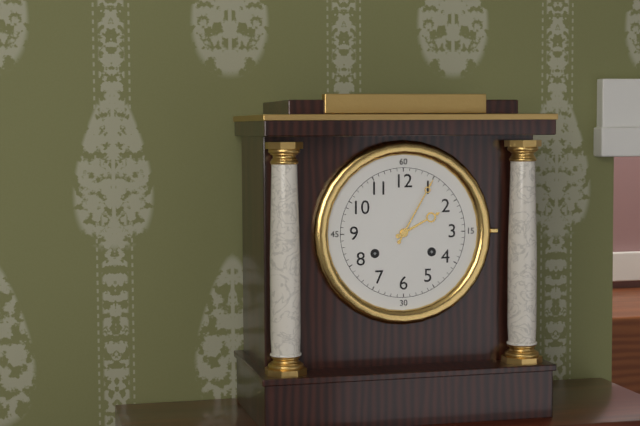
2:05
